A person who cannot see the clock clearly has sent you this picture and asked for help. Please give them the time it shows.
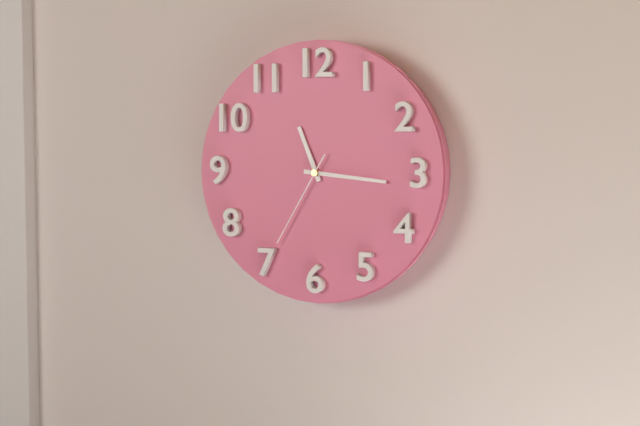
11:16:35
